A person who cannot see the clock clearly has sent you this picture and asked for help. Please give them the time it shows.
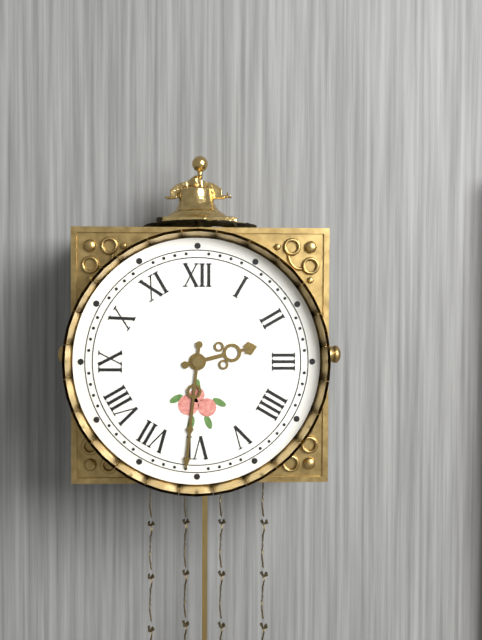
2:31
